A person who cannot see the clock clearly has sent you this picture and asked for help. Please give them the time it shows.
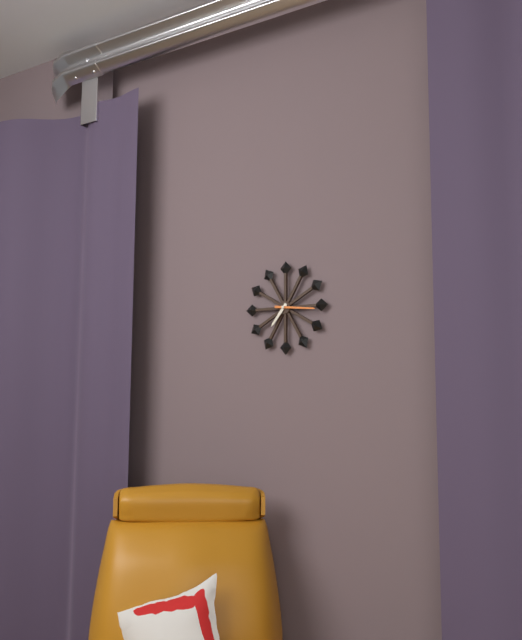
7:16
